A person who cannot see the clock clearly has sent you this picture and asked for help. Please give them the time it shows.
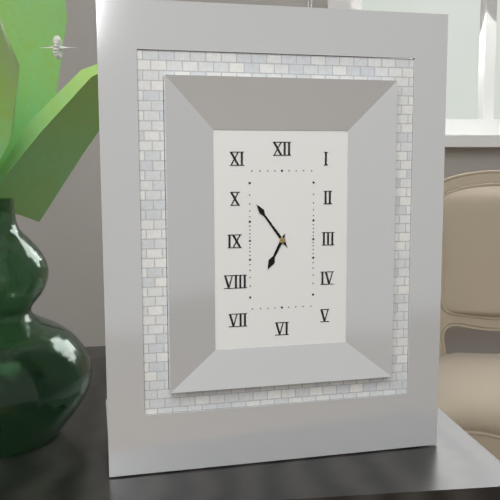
6:54
